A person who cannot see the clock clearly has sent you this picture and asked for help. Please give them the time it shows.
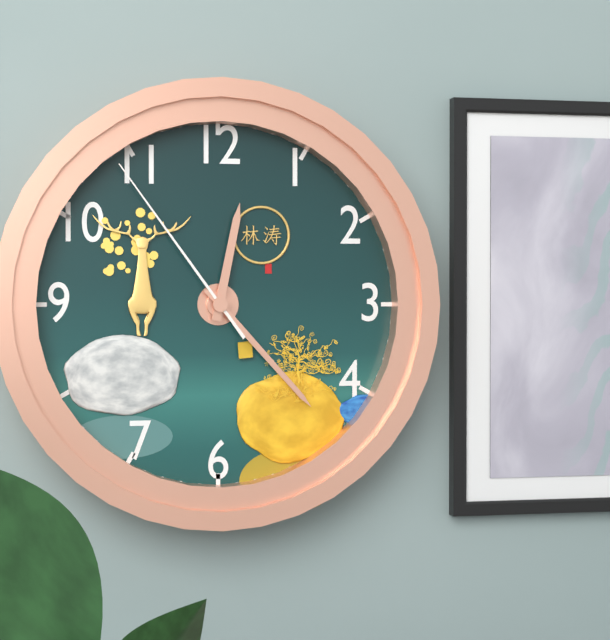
12:23:54
